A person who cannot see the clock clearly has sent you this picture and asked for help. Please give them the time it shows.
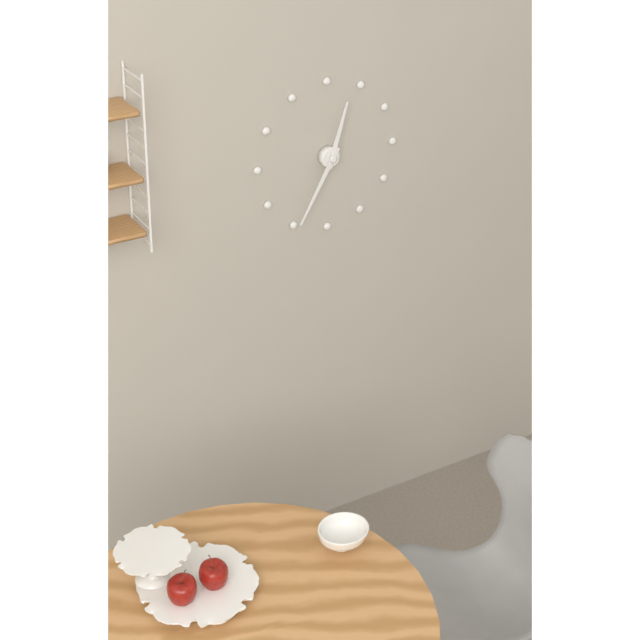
12:35
